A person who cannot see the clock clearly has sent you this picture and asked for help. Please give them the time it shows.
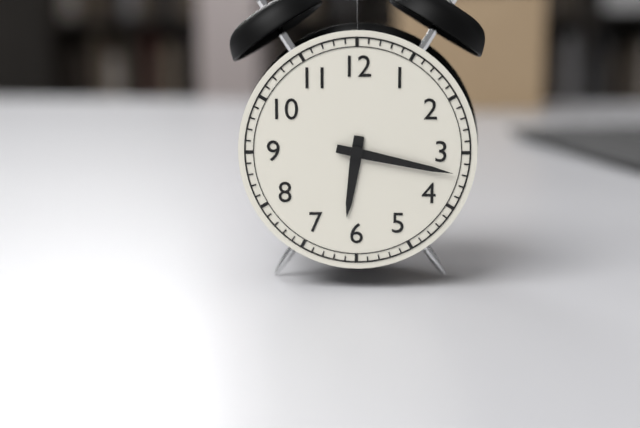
6:17
